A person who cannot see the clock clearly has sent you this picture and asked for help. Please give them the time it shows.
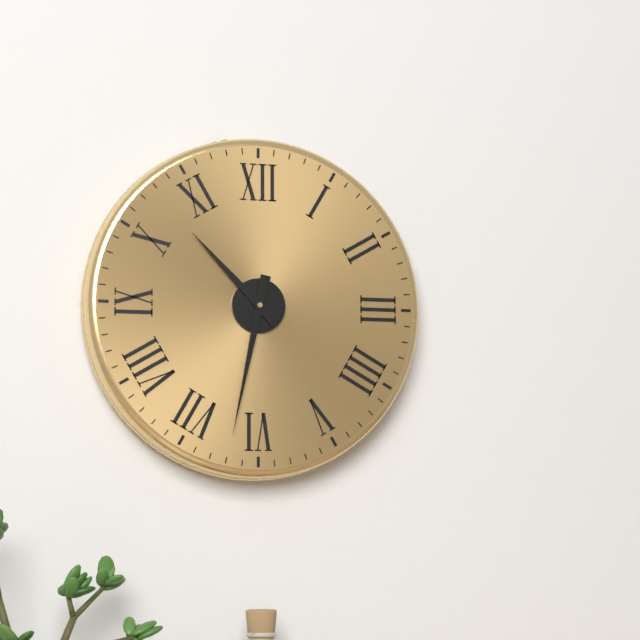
10:32
